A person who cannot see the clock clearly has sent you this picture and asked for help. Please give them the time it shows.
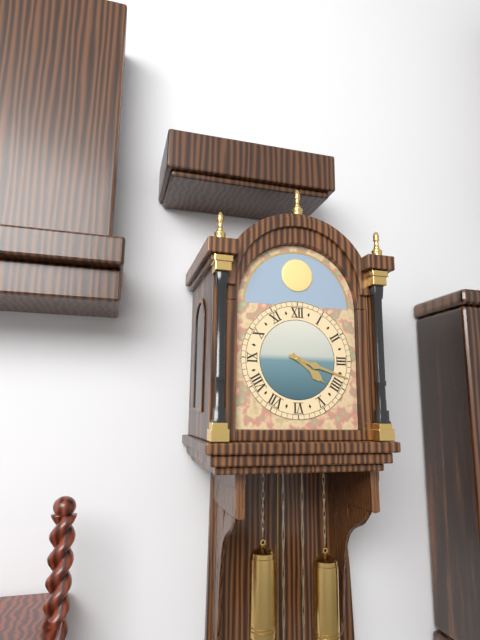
4:18
